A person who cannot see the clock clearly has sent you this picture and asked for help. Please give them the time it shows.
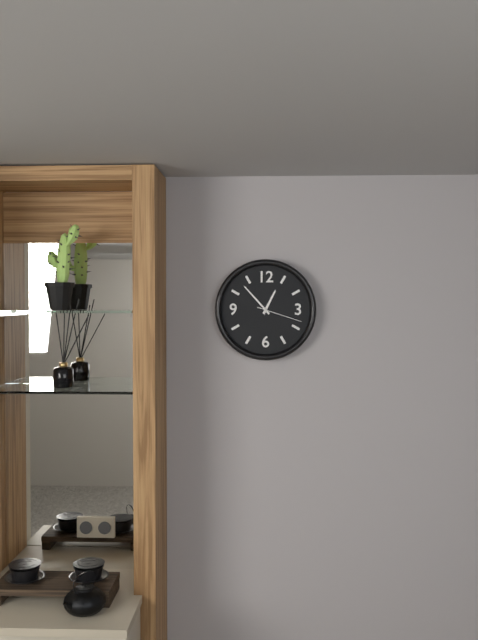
12:53
